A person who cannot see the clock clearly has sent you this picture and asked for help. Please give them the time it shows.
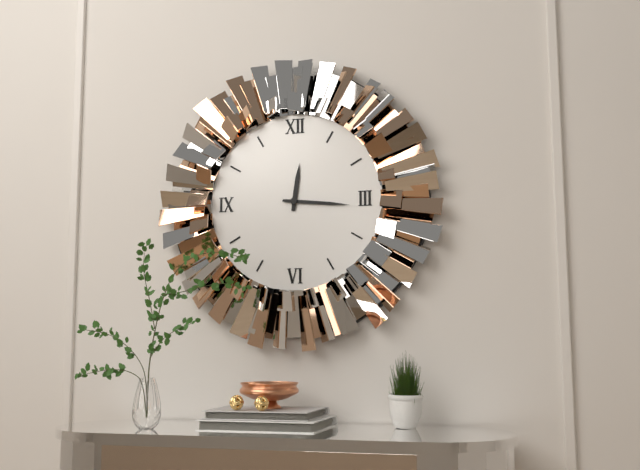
12:16
